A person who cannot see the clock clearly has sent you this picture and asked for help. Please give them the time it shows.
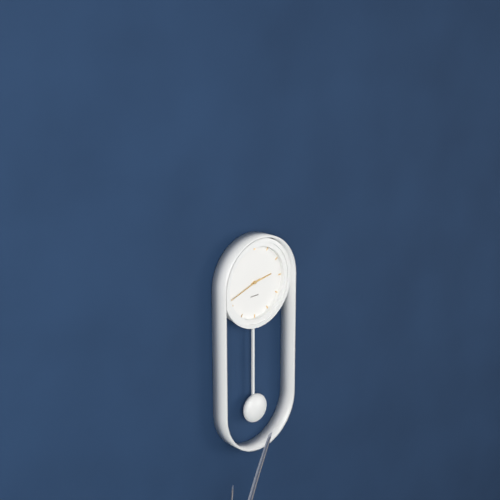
2:42
